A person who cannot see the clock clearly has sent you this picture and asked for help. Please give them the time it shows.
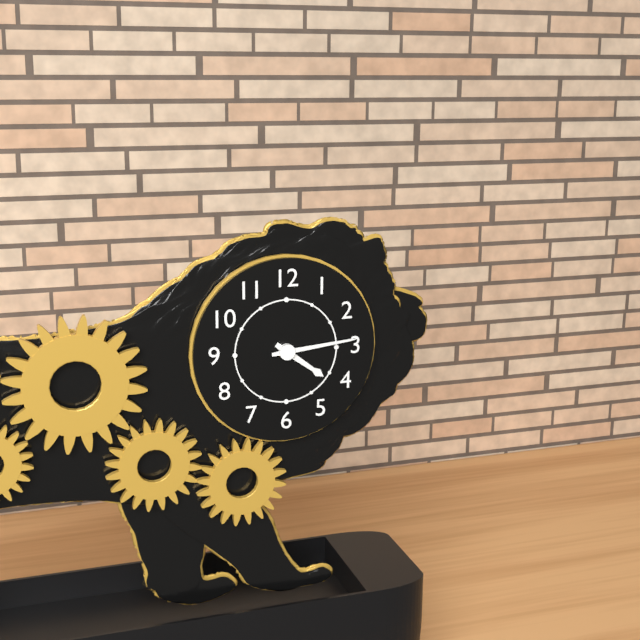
4:14
